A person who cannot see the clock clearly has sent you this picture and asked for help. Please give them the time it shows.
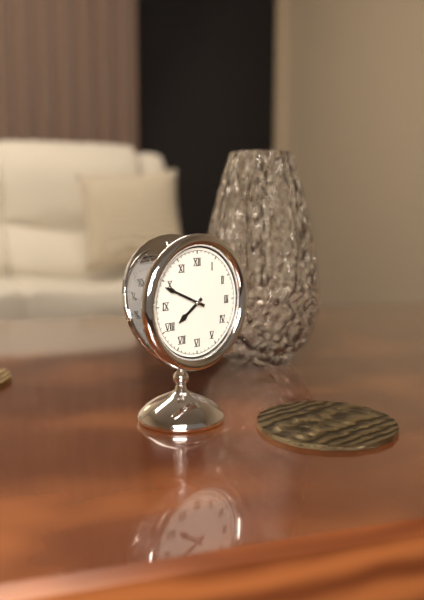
7:49
